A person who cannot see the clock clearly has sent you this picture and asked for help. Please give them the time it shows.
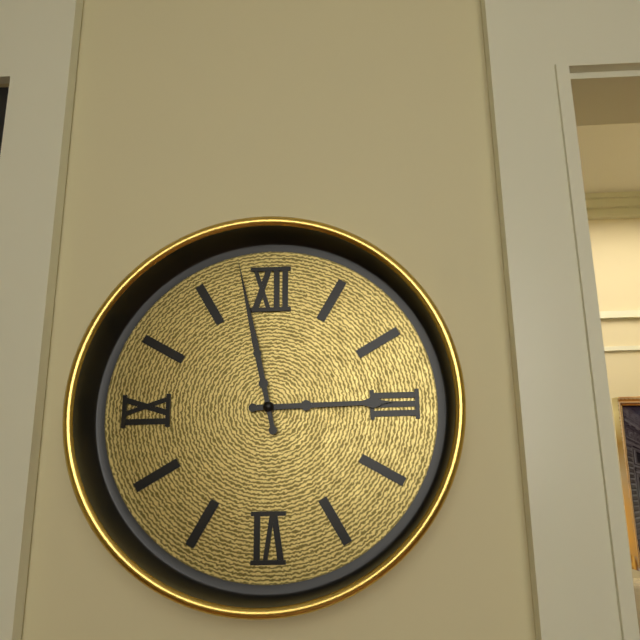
2:58
